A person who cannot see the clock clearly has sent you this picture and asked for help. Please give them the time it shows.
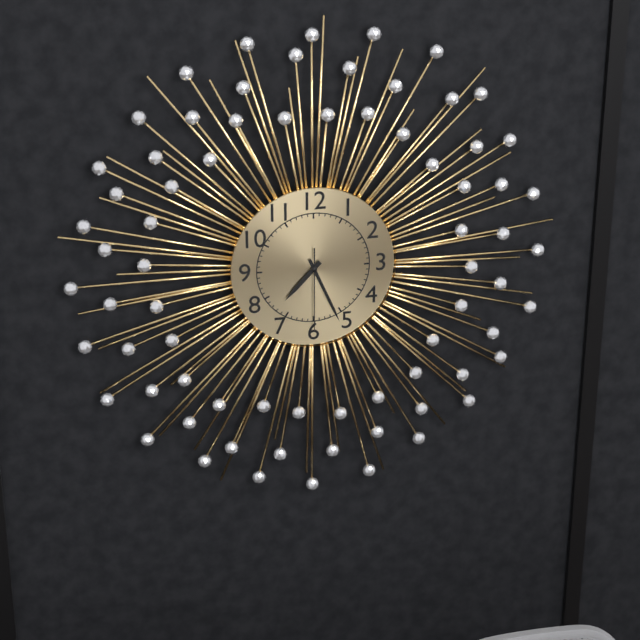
7:26:30
